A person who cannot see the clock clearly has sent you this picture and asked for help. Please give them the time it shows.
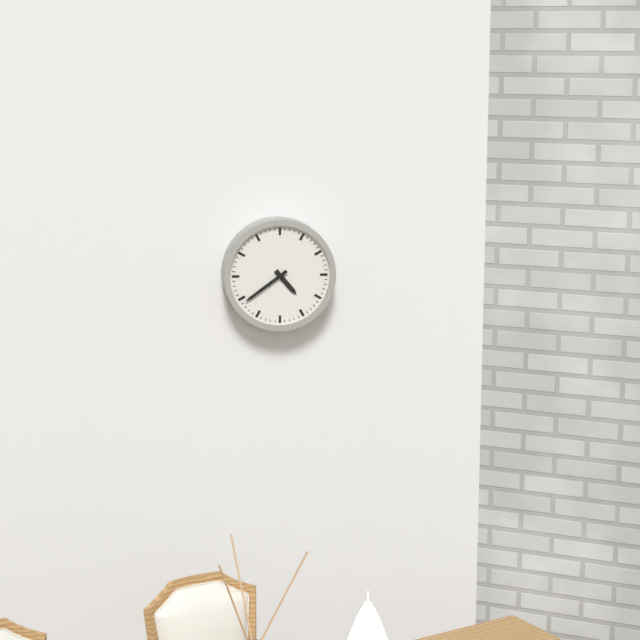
4:39
